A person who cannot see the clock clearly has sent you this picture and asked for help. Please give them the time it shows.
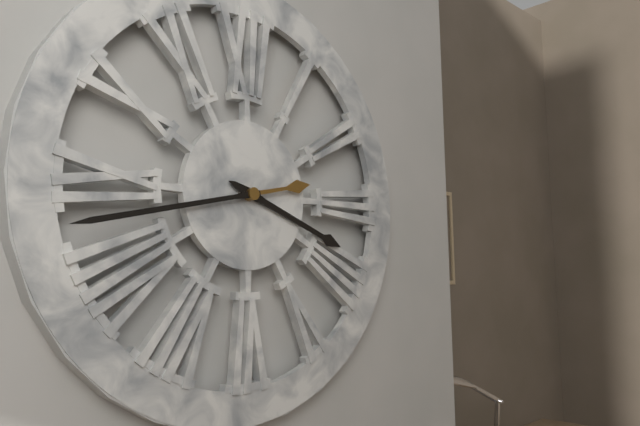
3:43
